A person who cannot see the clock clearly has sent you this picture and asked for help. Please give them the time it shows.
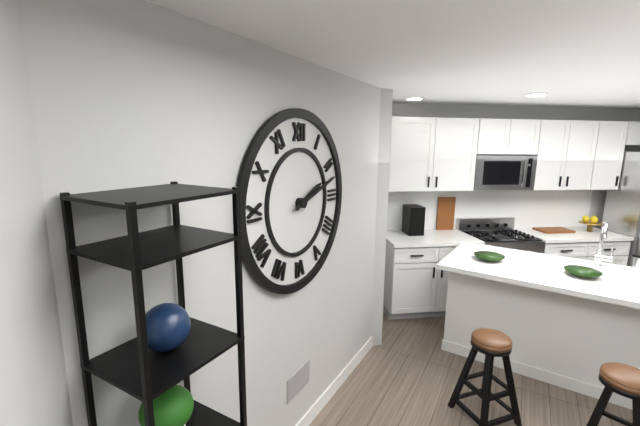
2:12
